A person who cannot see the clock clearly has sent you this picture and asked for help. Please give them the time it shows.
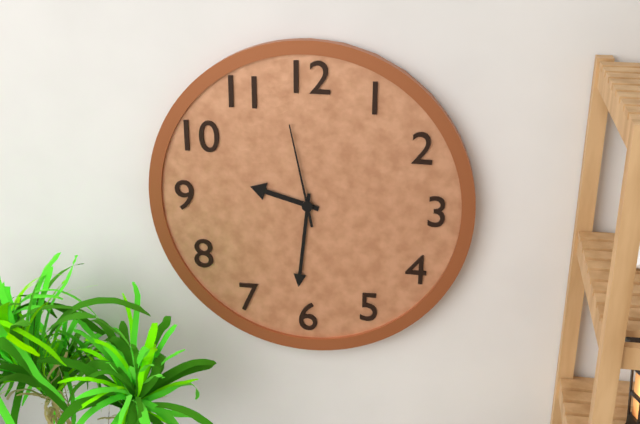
9:31:58
